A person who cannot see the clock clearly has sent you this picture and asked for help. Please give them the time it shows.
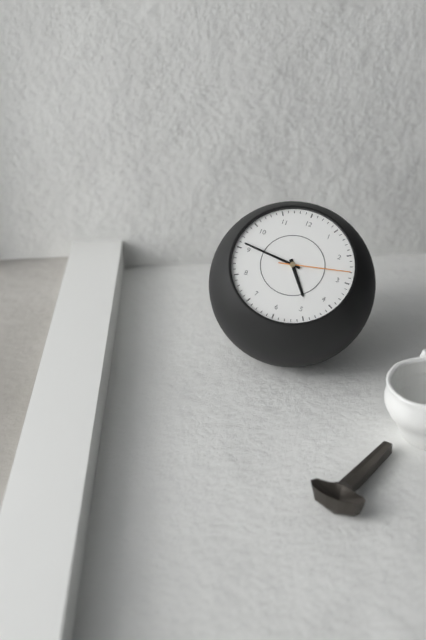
4:46:13
